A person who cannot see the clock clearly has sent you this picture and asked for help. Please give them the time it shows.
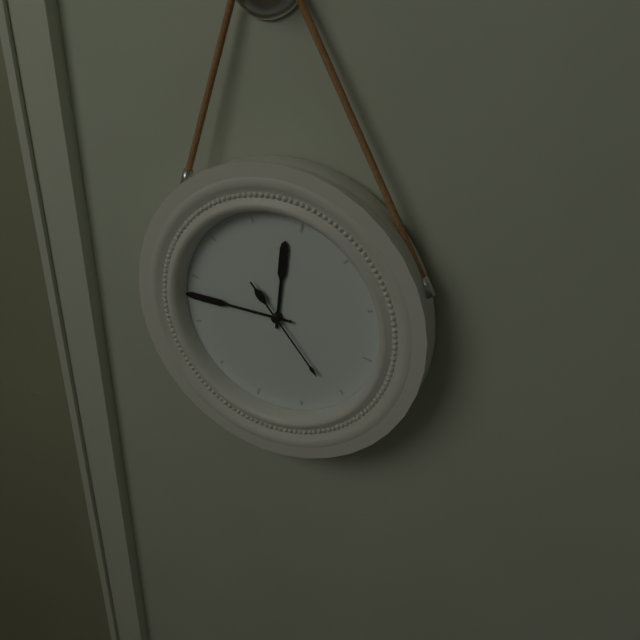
11:43:21
